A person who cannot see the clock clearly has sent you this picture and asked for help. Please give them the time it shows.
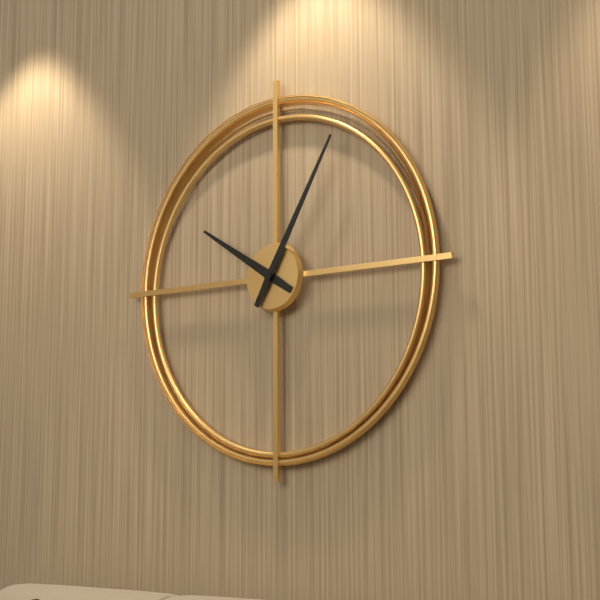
10:05
